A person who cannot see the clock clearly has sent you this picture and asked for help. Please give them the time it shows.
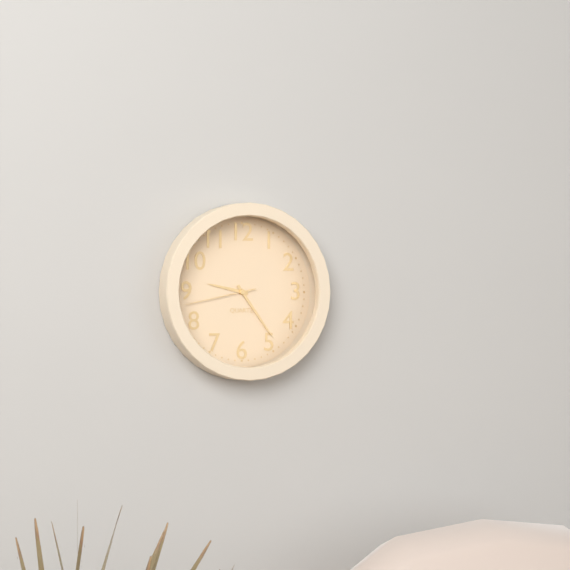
9:24:43
